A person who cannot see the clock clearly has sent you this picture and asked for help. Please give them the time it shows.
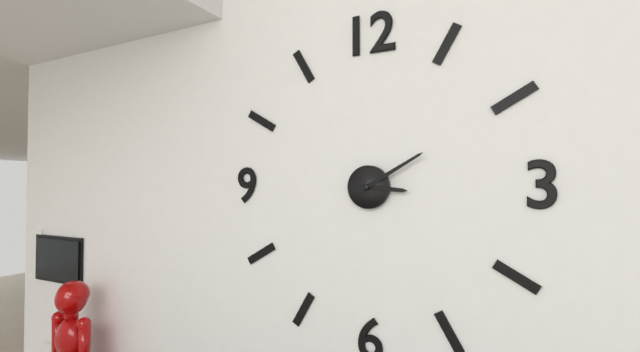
3:10
